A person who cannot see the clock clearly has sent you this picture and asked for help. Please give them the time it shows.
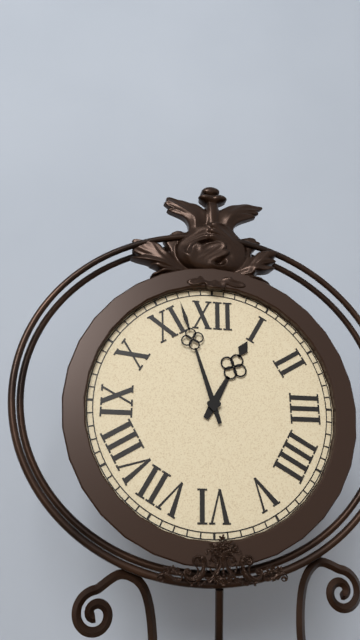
12:57
